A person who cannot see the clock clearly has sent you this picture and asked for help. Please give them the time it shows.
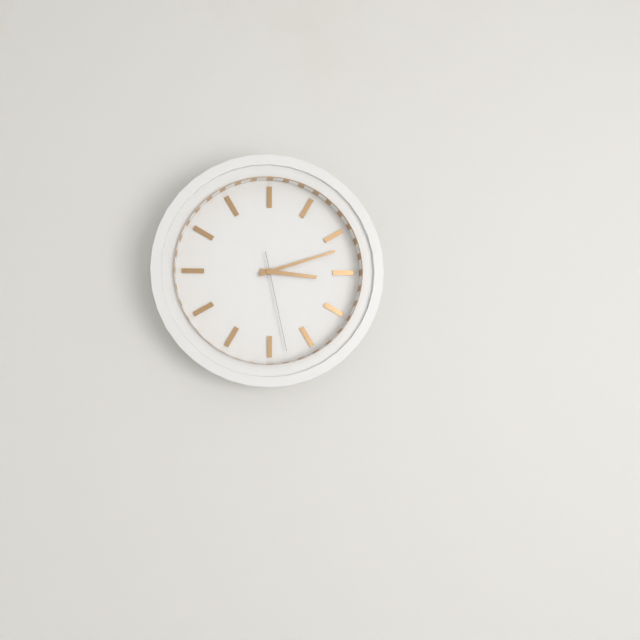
3:12:28
